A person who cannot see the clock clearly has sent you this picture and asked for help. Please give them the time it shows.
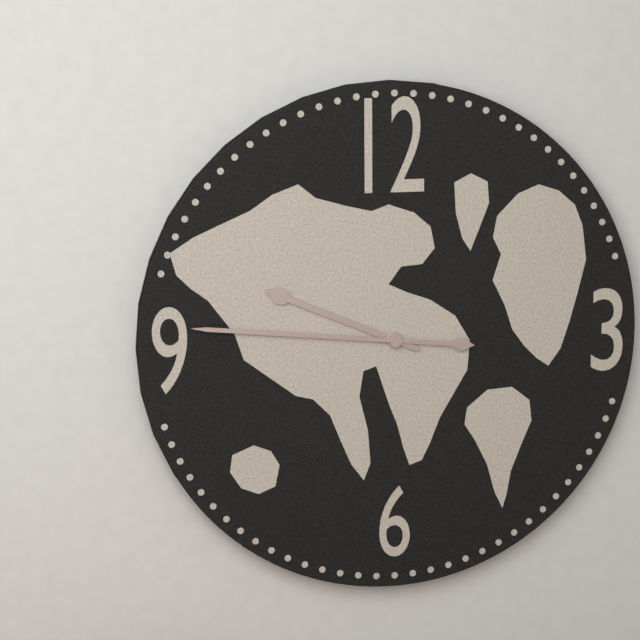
9:46
